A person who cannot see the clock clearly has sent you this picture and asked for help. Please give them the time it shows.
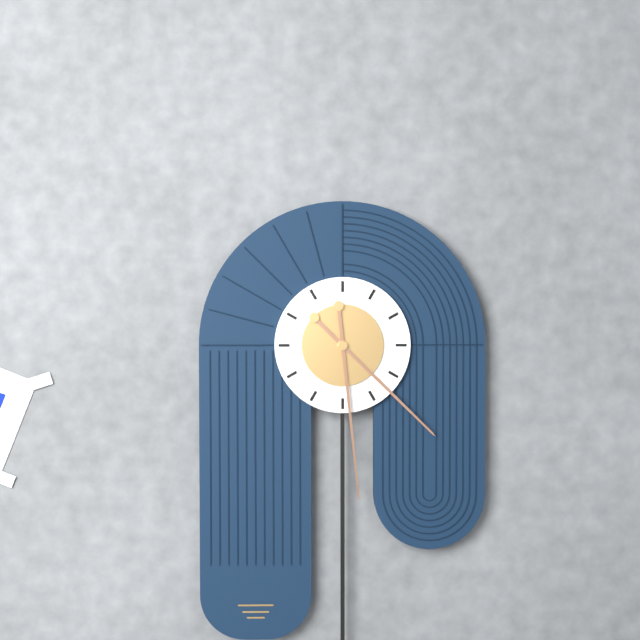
4:29
